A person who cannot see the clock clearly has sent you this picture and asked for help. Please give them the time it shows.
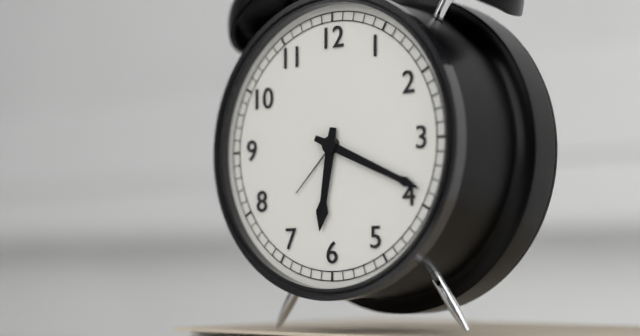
6:19
